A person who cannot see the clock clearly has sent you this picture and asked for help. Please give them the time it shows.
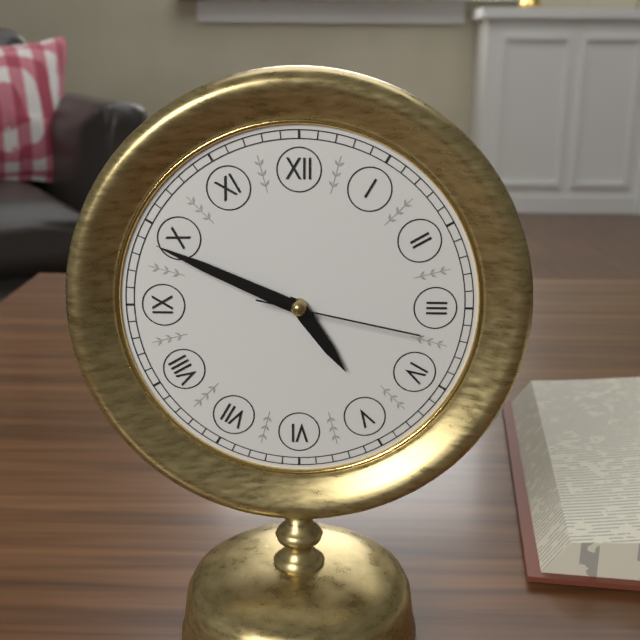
4:49:17
